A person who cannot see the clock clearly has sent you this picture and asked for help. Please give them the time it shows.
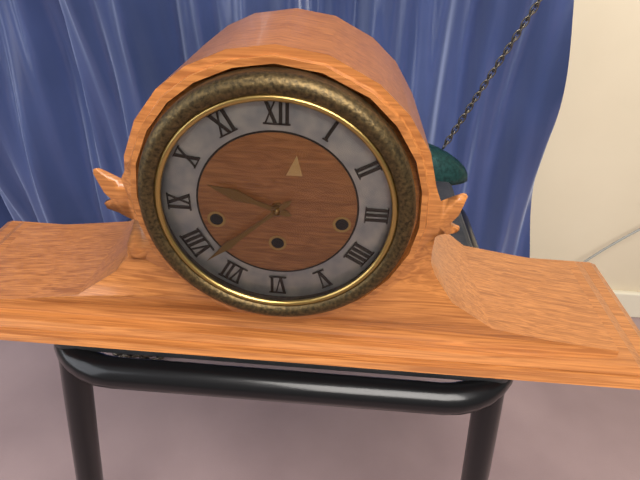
9:38
